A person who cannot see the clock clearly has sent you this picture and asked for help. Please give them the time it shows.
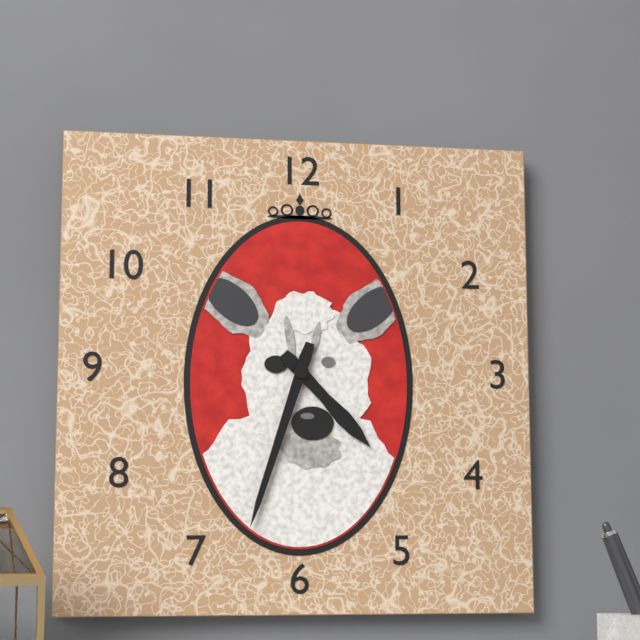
4:33
